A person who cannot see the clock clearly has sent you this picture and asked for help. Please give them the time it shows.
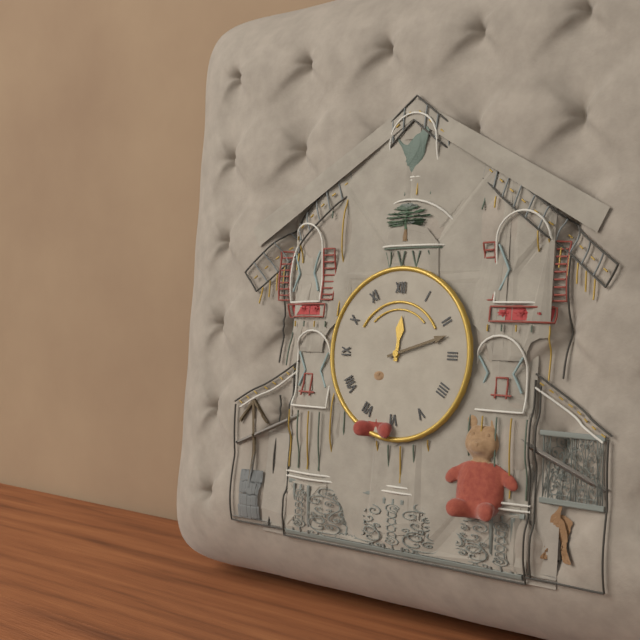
12:12
